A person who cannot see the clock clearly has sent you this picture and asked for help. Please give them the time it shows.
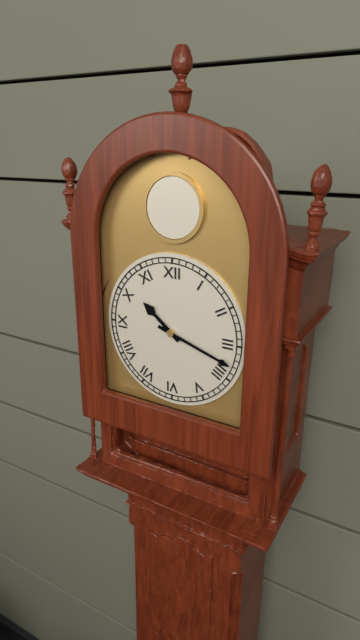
10:18
